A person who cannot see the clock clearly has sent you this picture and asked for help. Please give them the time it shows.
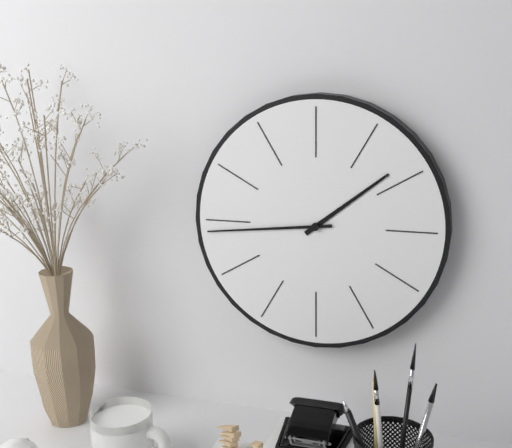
1:44
